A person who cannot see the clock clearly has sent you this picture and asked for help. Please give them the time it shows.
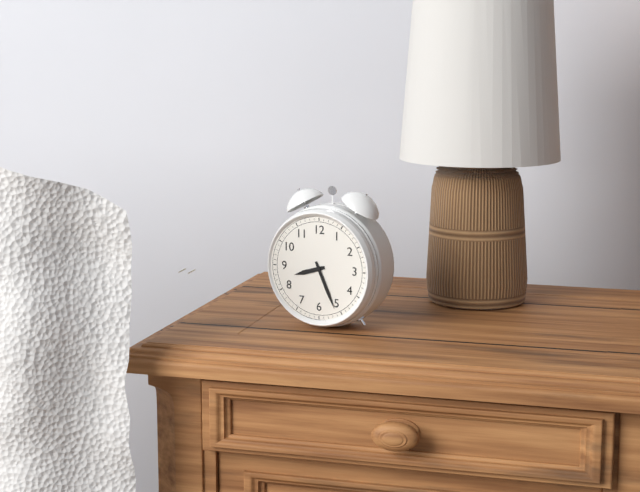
8:26
